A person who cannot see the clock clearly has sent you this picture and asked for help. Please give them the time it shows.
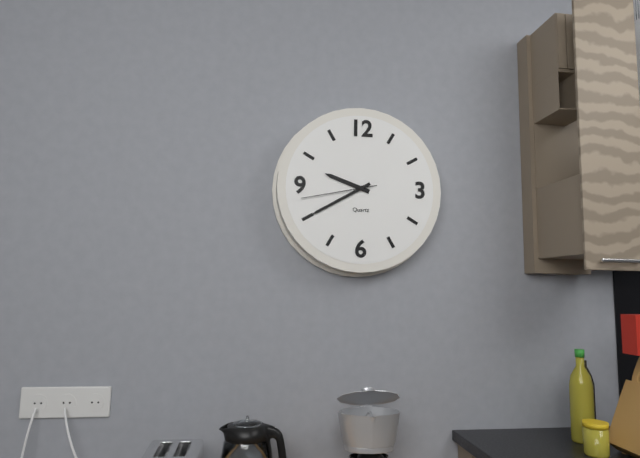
9:40:43
